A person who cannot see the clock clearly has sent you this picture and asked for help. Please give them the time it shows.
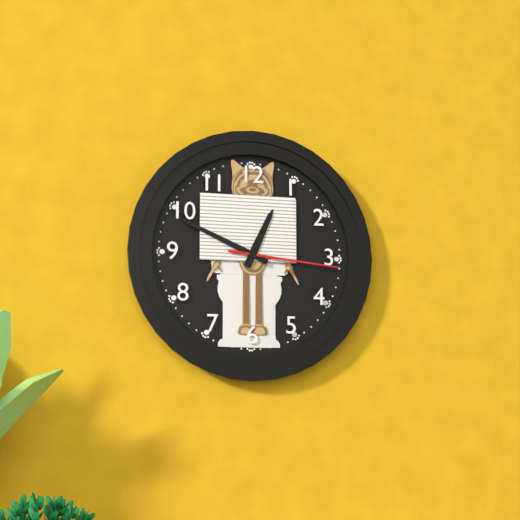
12:49:16
